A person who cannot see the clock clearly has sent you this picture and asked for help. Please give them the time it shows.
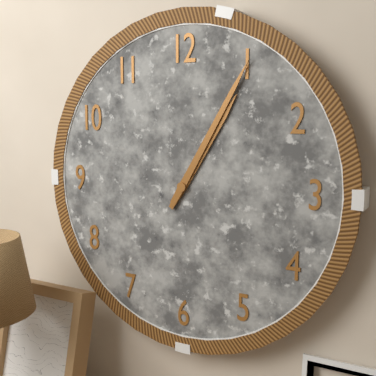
1:05
